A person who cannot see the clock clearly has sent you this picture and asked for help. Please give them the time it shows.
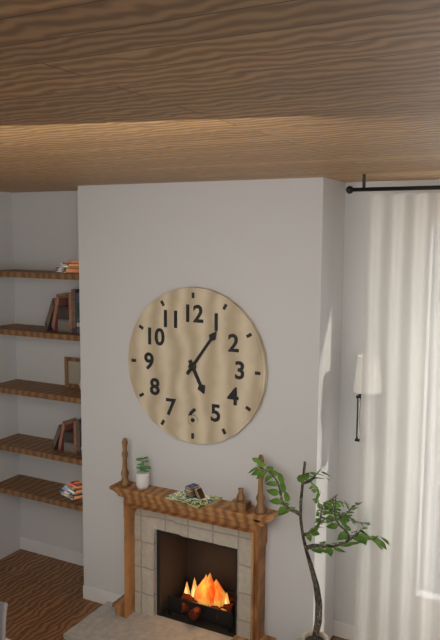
5:06
